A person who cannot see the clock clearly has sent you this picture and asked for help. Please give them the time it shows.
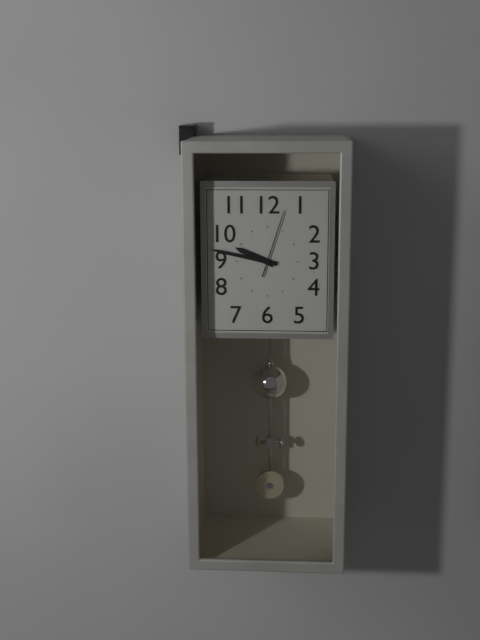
9:47:03
